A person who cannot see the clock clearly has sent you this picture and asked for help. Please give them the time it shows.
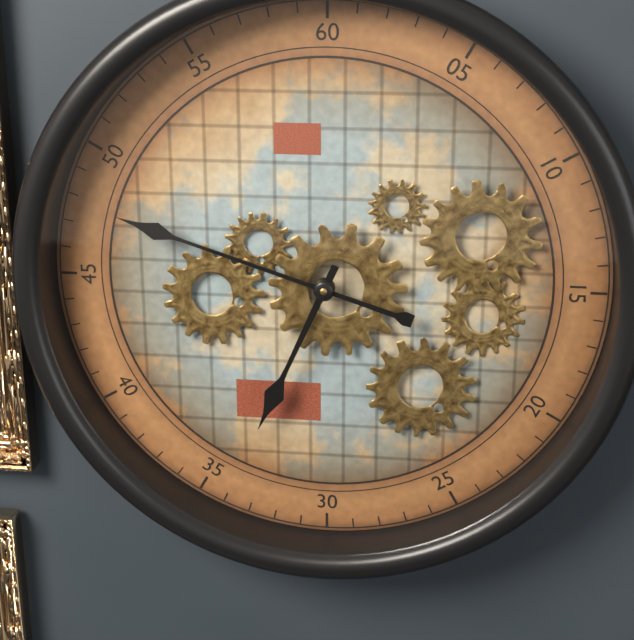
6:48
